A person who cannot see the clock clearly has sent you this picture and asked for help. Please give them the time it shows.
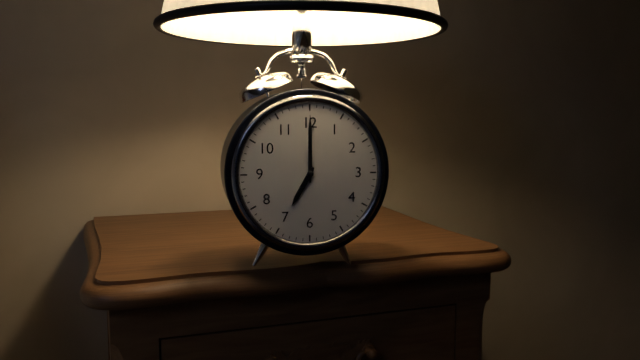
7:00
